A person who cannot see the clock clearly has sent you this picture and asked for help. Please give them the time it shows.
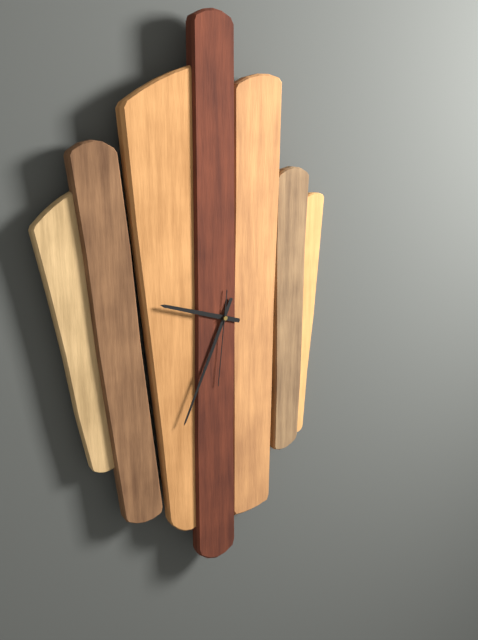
9:34:31
